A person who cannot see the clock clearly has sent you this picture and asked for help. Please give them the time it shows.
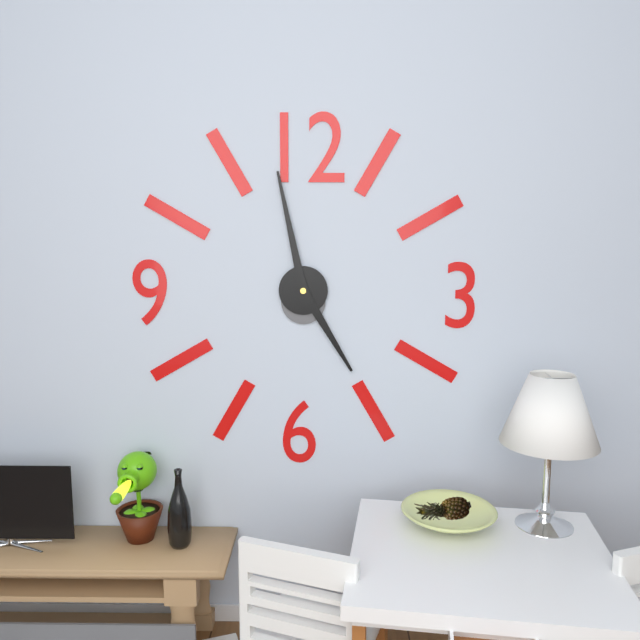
4:58
